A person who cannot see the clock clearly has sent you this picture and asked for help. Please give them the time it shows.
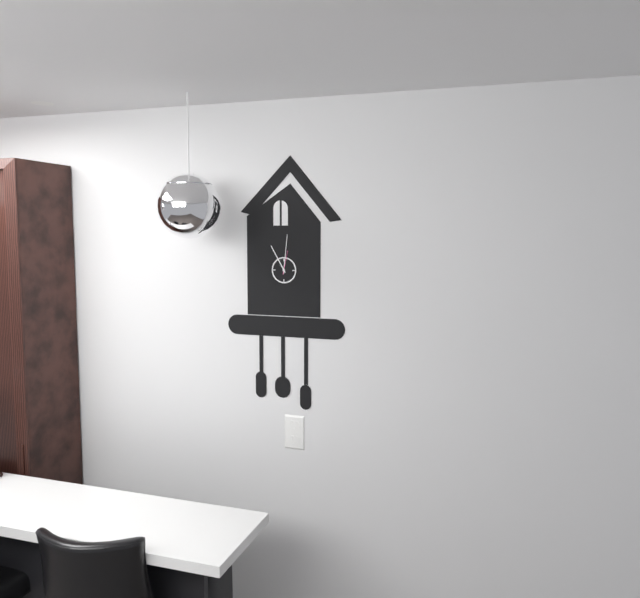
11:01
